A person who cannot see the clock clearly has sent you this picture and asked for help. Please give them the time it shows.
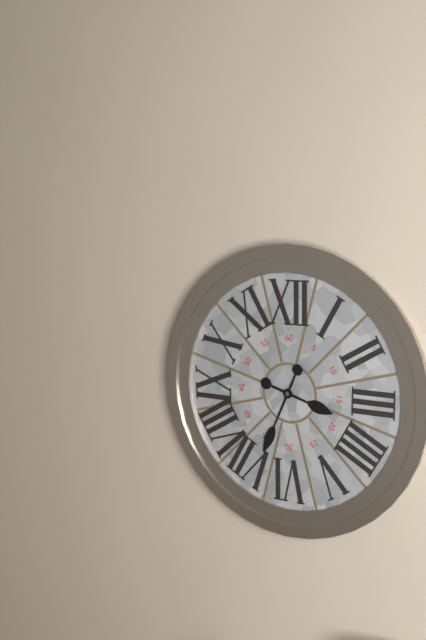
3:34
